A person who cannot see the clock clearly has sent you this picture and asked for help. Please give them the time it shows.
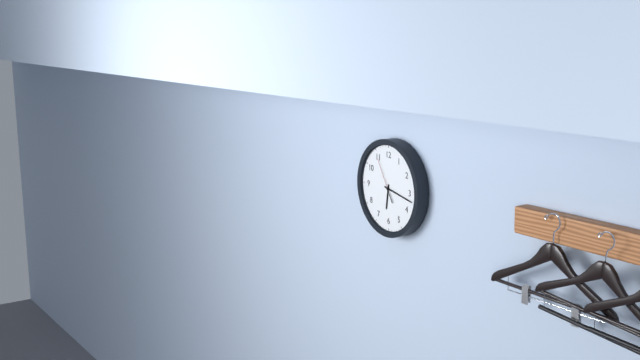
6:17
